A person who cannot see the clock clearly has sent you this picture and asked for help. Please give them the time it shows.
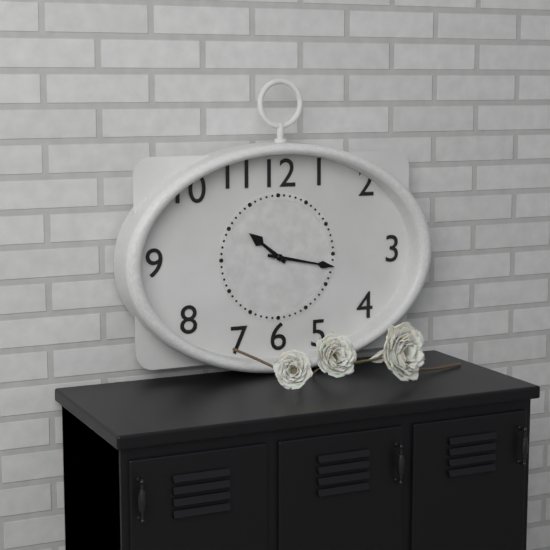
10:17
